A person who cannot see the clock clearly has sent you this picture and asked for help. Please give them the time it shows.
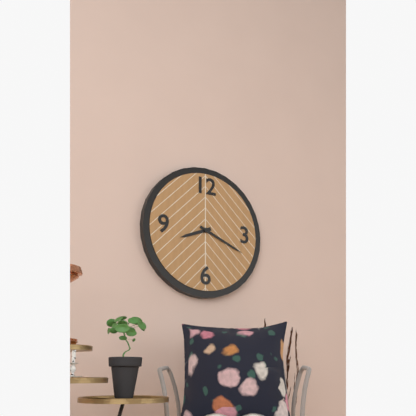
8:19
